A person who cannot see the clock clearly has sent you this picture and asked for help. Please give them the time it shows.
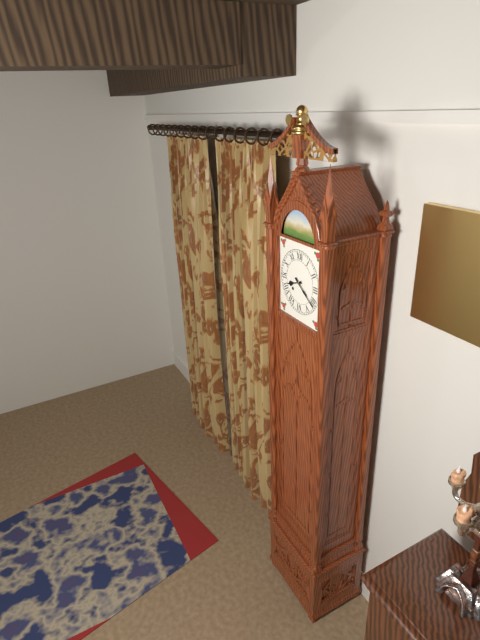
8:21
